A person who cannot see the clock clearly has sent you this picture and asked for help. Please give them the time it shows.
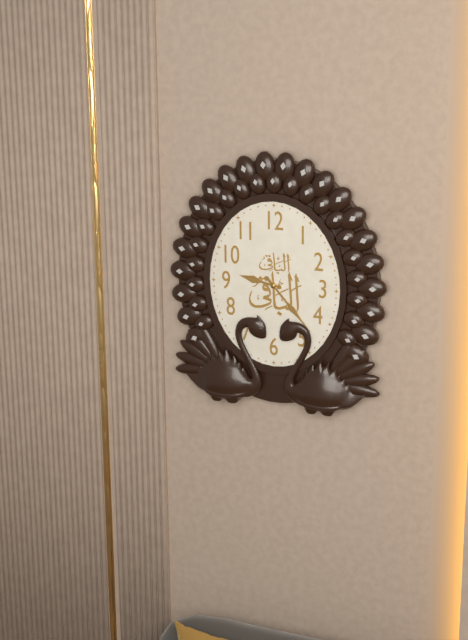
9:23
